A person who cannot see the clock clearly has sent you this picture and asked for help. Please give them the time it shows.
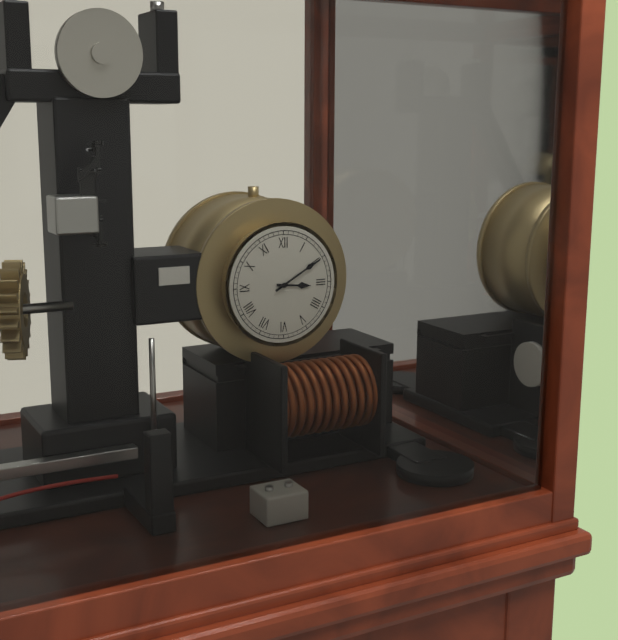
3:10
